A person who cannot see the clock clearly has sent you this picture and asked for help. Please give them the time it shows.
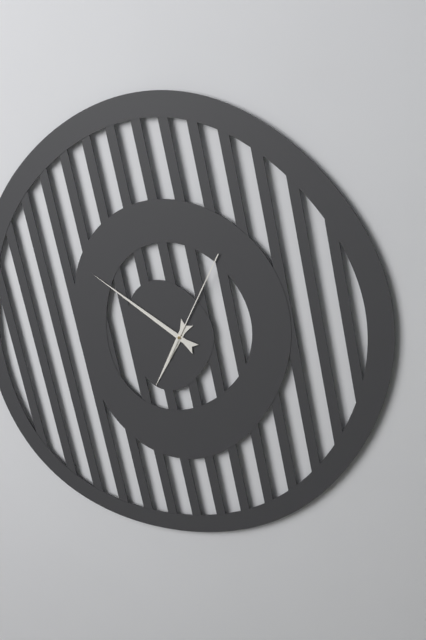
6:50:04
